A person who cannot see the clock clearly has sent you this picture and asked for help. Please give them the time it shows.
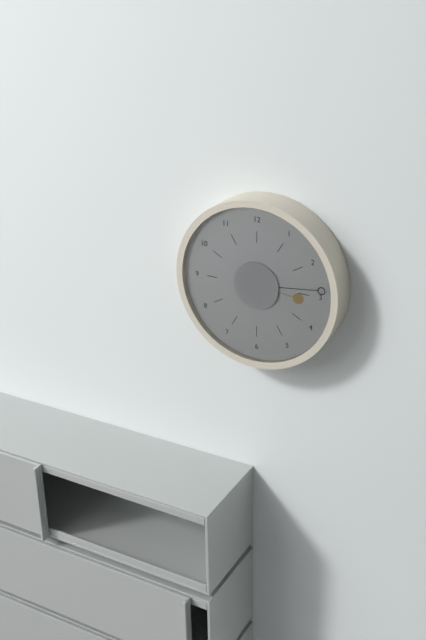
3:14
